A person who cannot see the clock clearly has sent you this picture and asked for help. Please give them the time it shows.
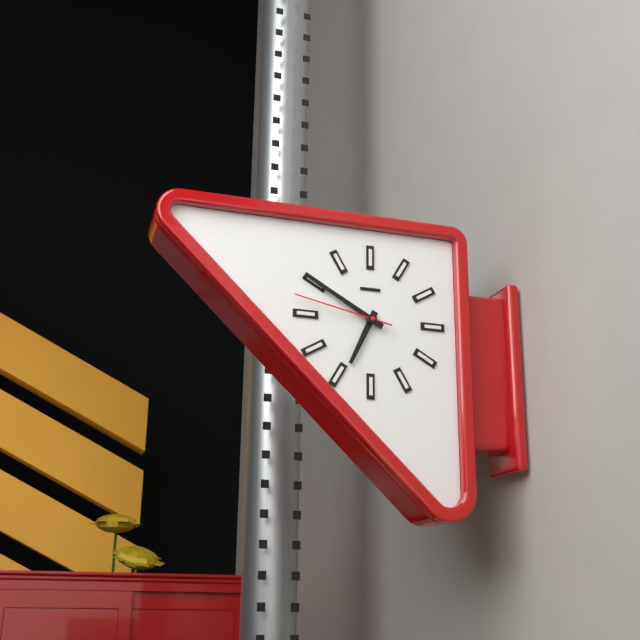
6:50:47
